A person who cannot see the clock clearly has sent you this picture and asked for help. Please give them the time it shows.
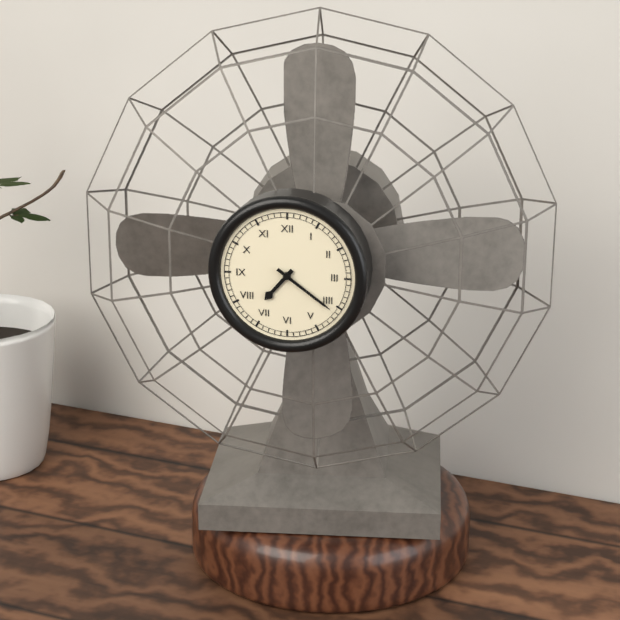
7:21
